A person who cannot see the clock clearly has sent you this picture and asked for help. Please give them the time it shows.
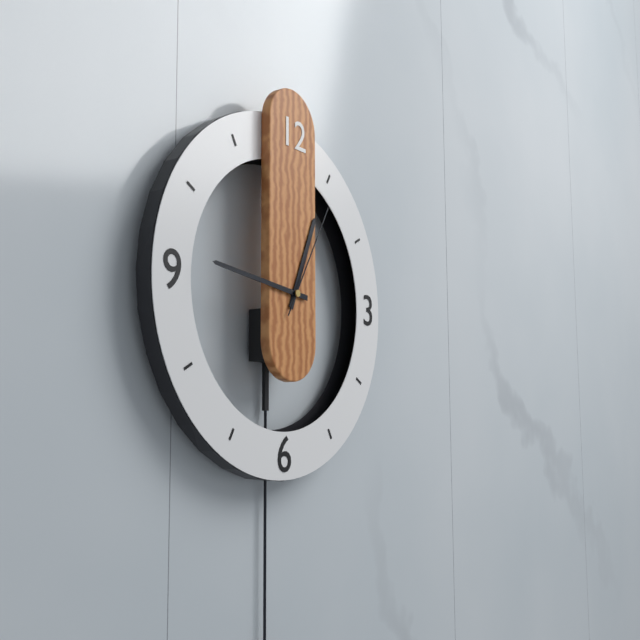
12:46:05
